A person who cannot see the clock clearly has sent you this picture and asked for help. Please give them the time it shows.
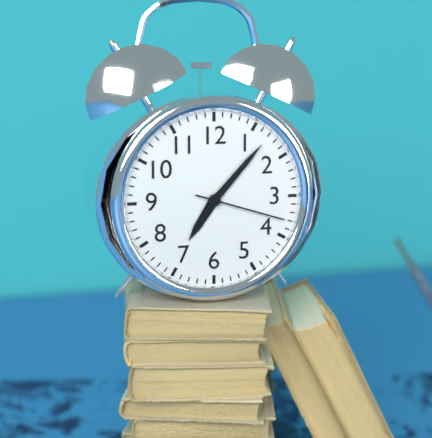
7:07:18
